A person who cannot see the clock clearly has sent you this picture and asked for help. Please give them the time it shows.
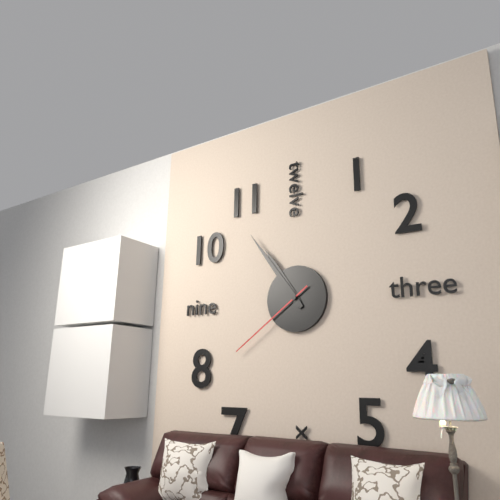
10:54:39
